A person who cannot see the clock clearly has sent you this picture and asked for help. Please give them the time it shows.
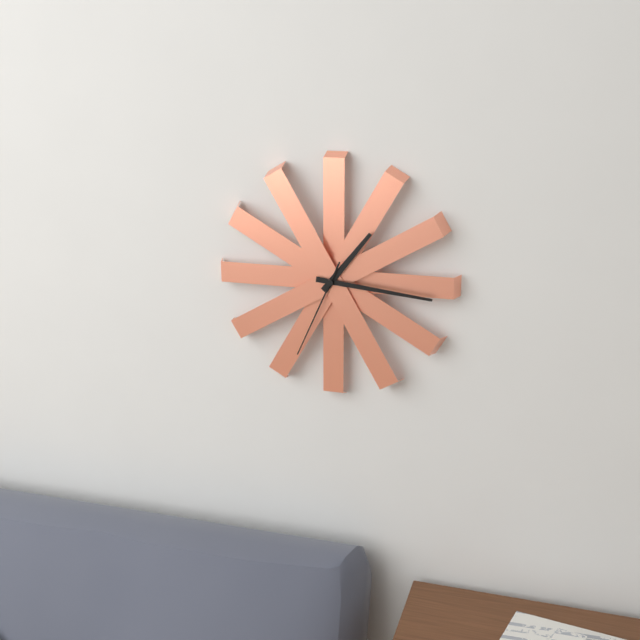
1:16:34
